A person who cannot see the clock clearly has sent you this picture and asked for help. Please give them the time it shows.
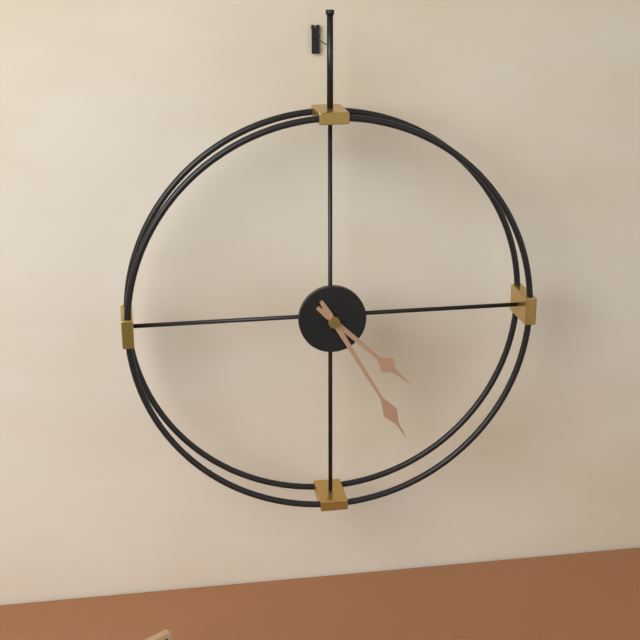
4:25
